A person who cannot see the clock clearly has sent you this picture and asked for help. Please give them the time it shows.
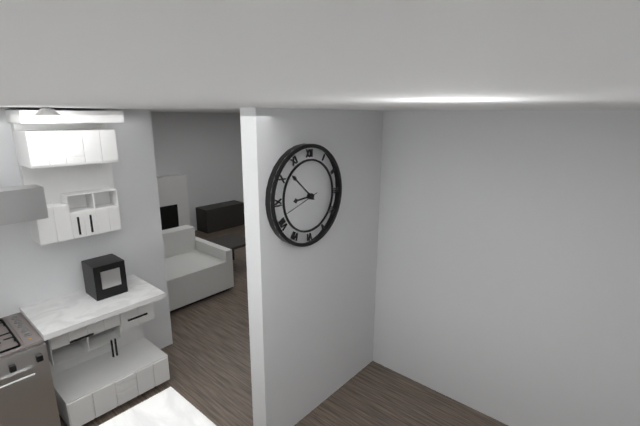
8:52
